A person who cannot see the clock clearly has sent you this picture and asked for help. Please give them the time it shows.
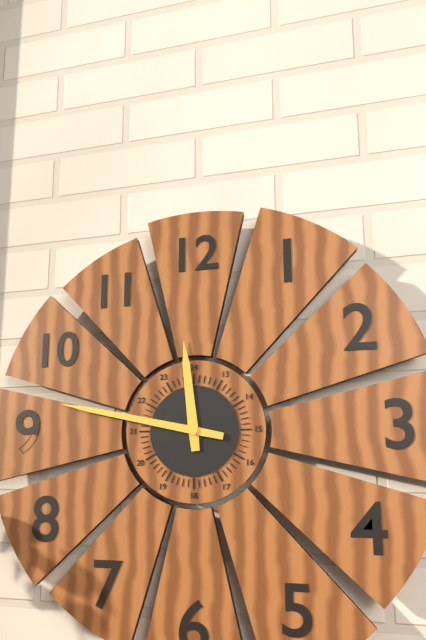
11:47
